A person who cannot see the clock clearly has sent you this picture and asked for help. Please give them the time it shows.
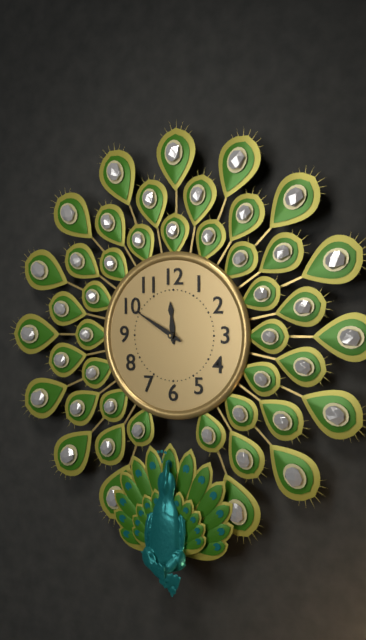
11:50
